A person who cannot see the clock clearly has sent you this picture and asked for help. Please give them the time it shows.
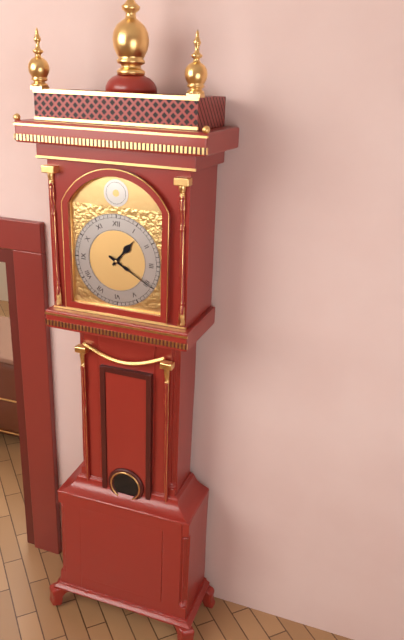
1:20
